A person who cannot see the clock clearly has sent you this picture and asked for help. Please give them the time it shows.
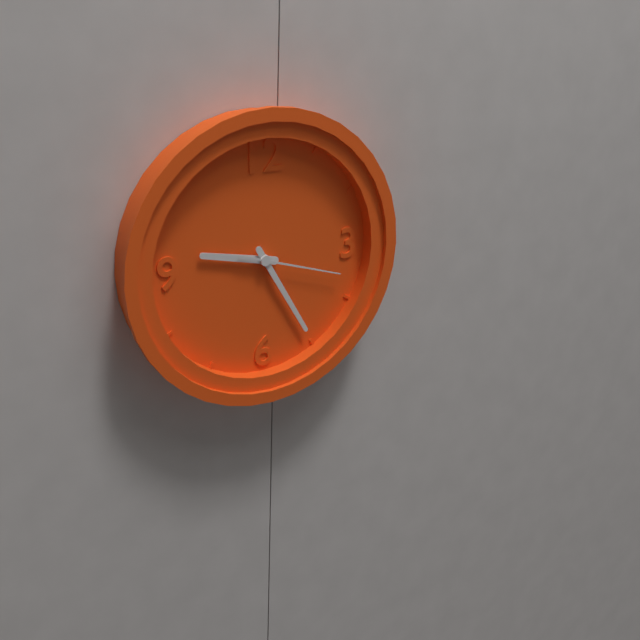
9:25:18
